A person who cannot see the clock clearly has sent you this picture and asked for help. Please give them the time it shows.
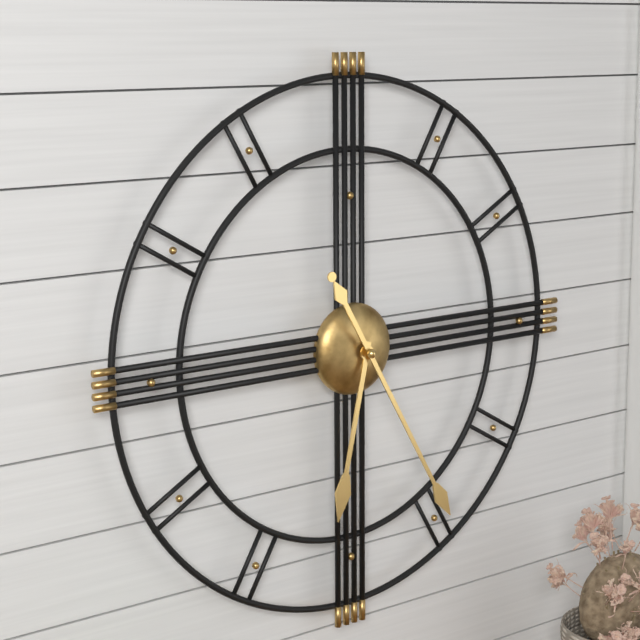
6:25
